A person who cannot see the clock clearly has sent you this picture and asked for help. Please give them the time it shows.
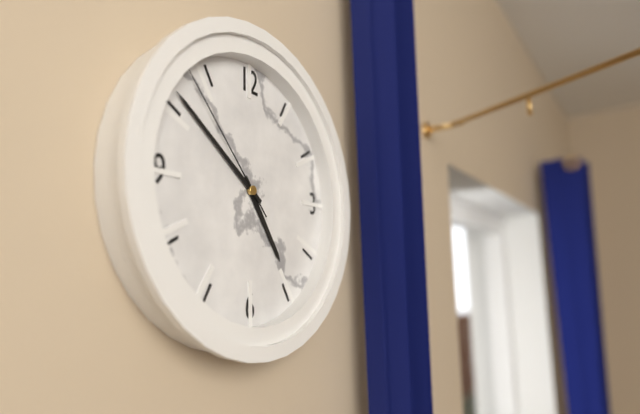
4:51:53
